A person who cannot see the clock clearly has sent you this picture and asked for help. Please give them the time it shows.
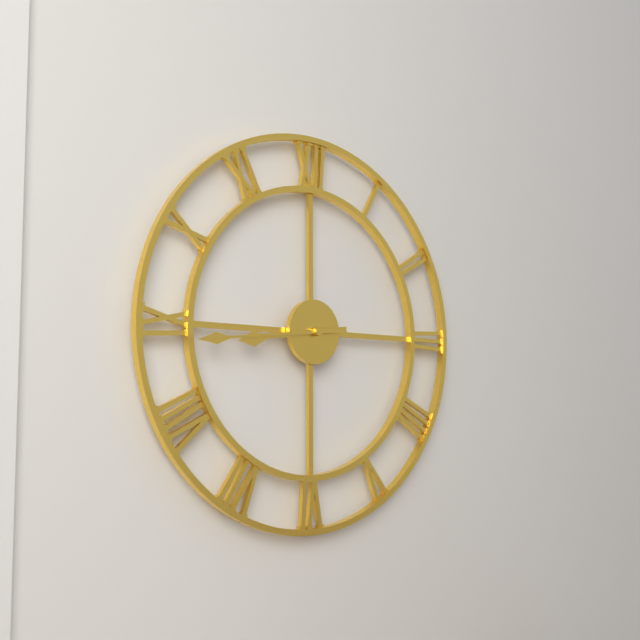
8:44
